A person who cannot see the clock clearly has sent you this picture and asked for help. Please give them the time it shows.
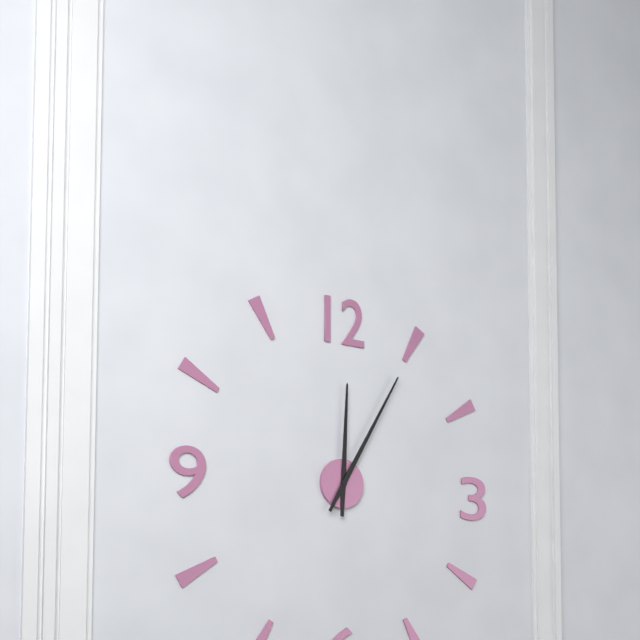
12:05
